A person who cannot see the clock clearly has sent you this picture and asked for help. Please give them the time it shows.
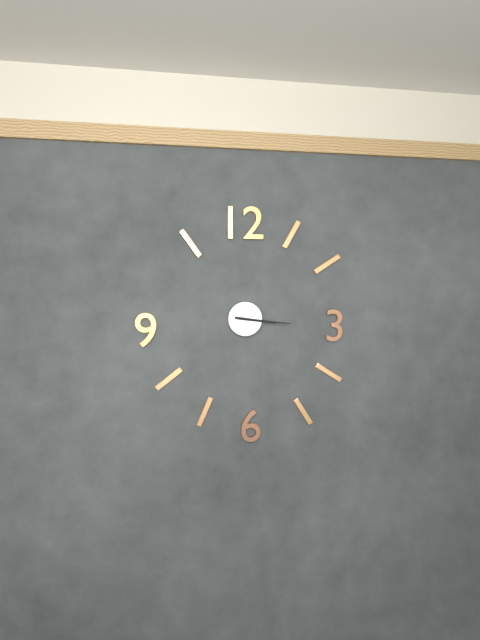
3:16
